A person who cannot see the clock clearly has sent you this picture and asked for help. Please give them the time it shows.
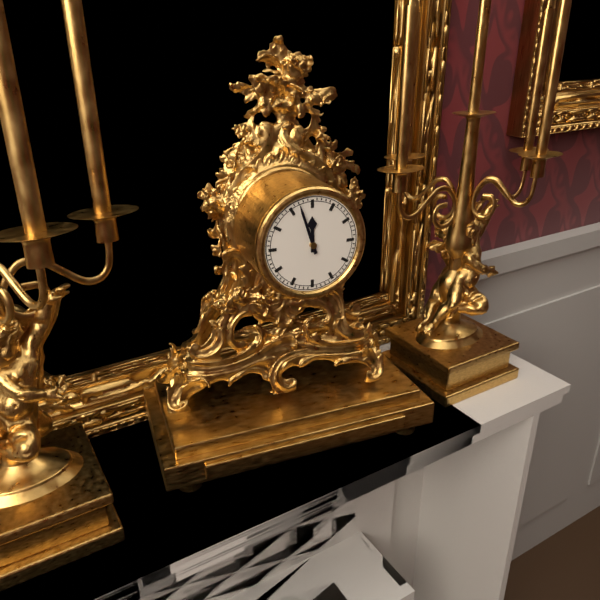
11:57
